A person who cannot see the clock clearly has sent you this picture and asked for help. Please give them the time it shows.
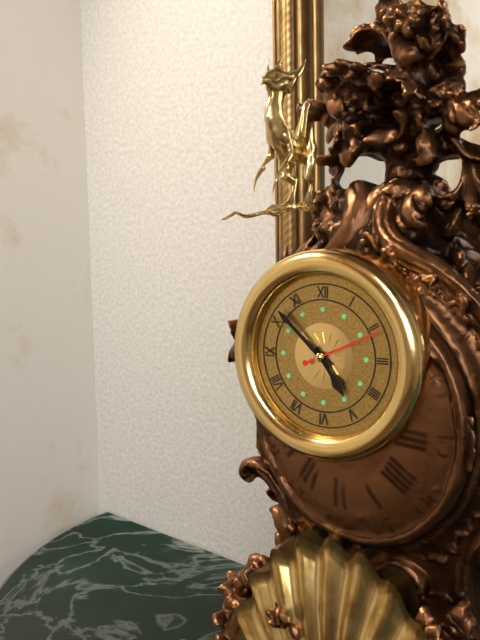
4:52:11
